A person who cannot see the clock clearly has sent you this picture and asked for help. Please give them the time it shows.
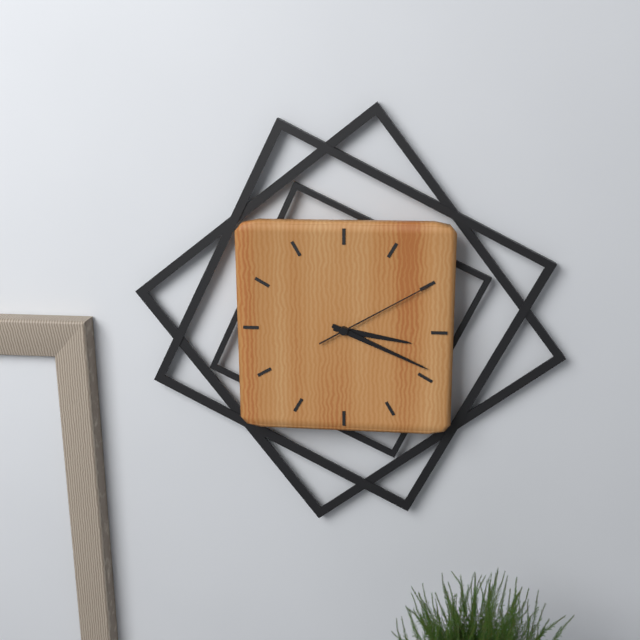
3:19:10
